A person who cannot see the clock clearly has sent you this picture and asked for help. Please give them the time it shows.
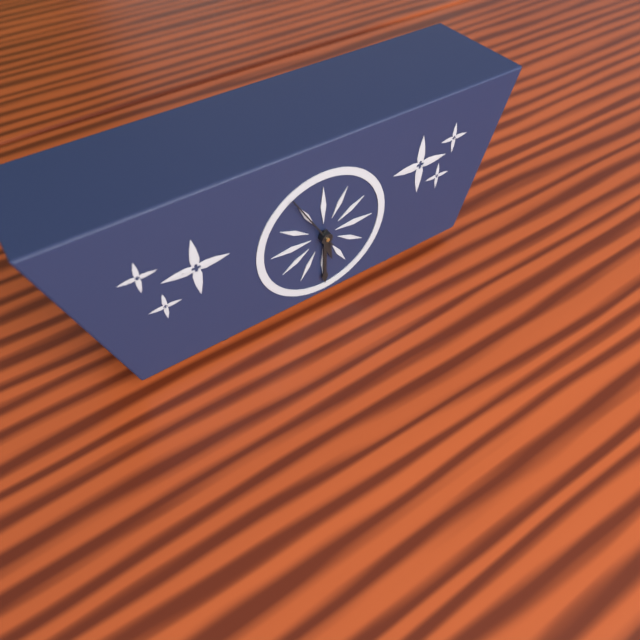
5:30:55
